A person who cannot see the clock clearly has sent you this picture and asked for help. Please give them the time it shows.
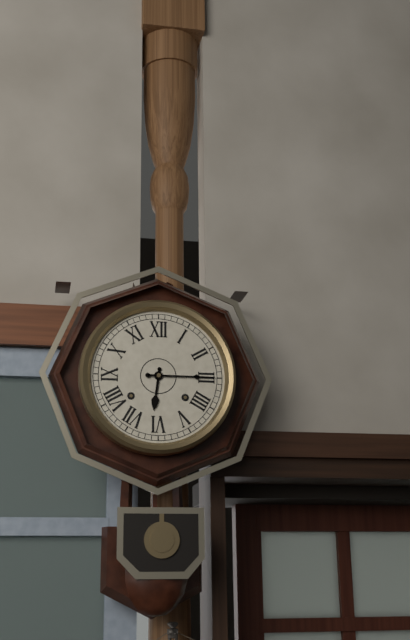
6:15
